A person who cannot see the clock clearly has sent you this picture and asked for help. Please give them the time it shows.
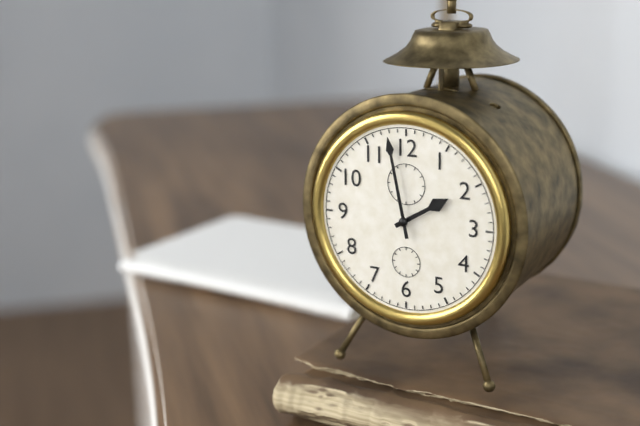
1:58
